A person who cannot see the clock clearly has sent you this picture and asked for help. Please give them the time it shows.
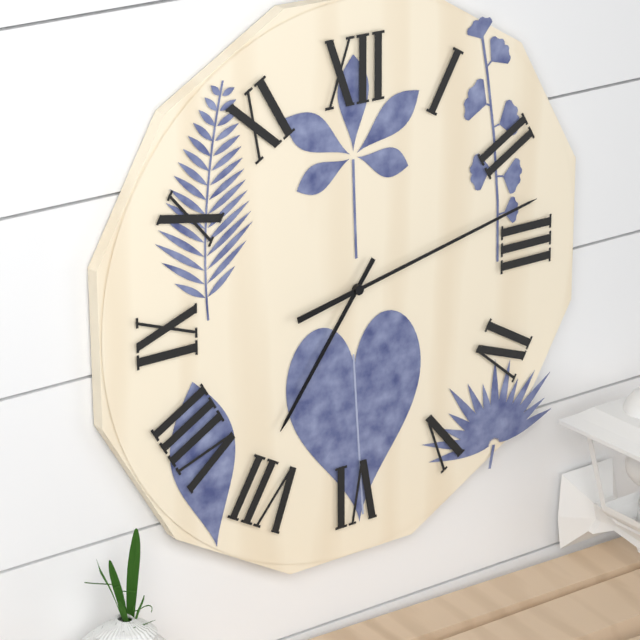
7:13
